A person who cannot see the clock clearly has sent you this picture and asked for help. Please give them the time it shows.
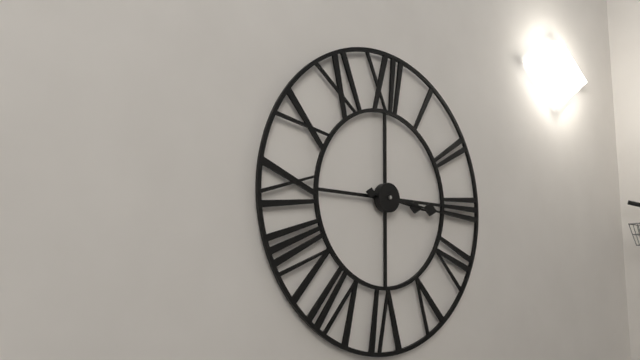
3:16
